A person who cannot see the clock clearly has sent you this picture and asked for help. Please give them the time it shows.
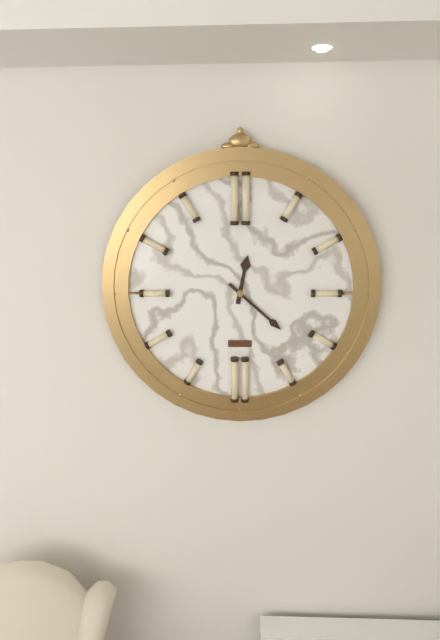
12:22
